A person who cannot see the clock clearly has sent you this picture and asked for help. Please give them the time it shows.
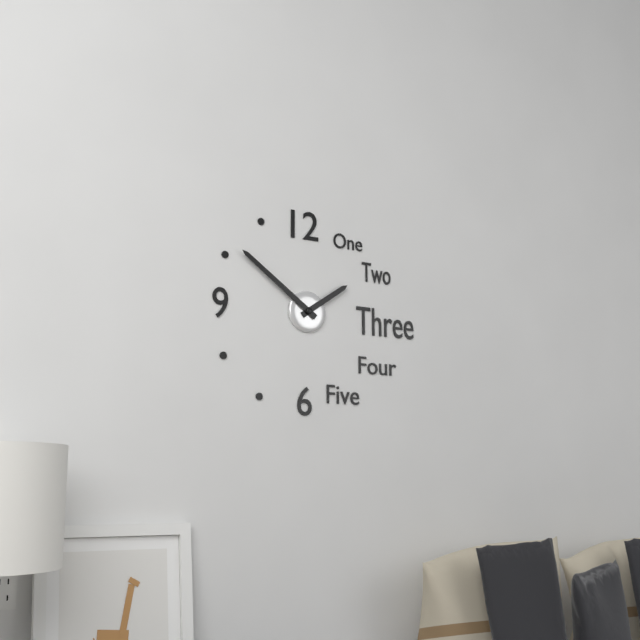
1:51
